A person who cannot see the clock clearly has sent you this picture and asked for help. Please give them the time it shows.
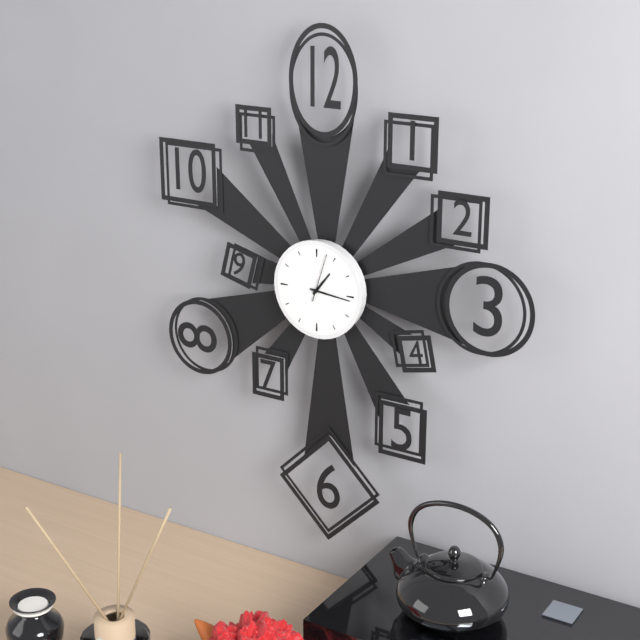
1:16
